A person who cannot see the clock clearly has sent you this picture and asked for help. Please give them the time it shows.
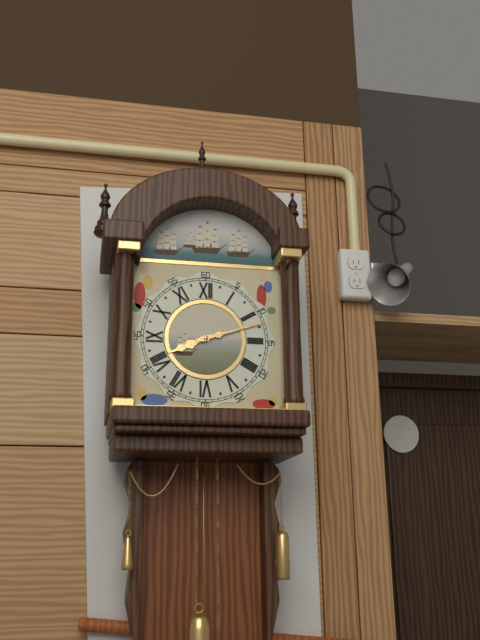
8:12
